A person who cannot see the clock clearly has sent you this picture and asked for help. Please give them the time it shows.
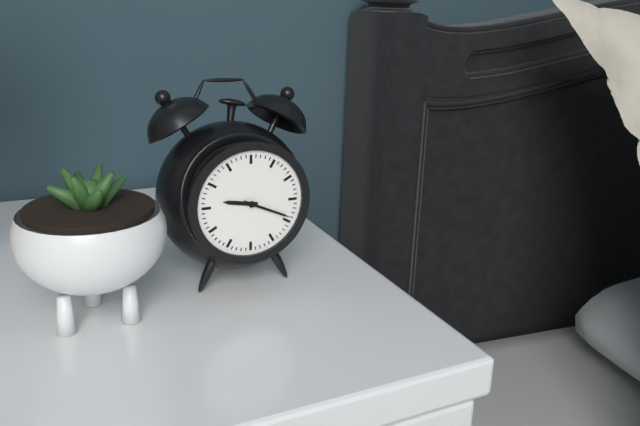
9:19
